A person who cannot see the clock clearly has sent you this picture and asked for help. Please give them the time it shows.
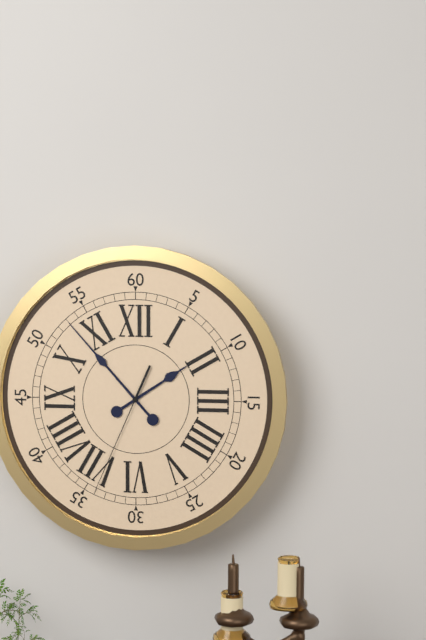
1:53:34
